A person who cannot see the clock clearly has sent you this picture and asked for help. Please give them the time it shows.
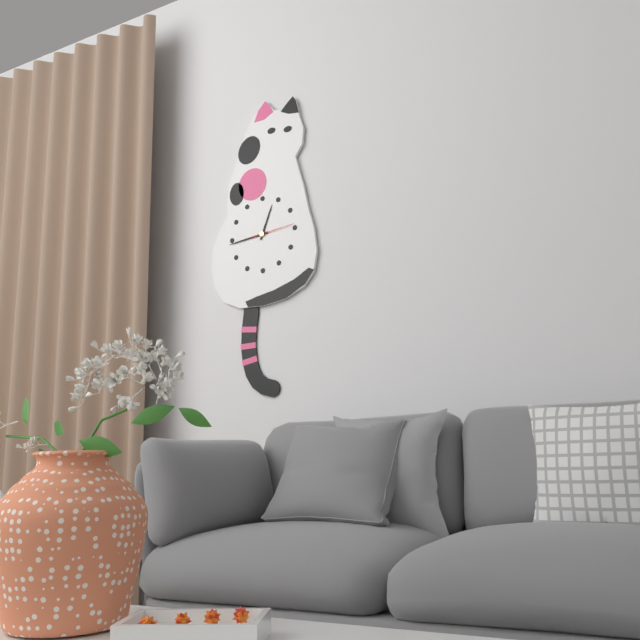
12:44
